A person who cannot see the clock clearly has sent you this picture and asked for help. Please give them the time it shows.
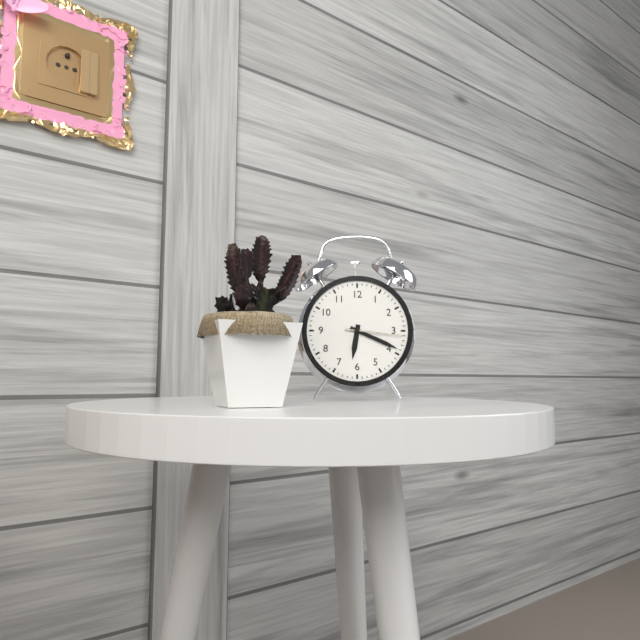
6:19:16
